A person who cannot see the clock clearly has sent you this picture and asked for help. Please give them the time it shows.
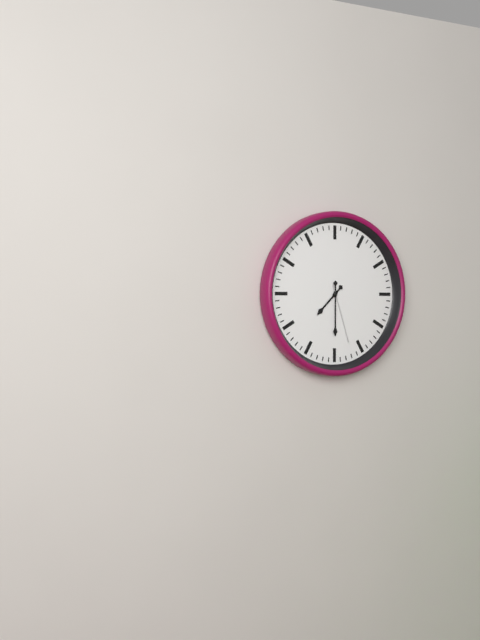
7:30:27
